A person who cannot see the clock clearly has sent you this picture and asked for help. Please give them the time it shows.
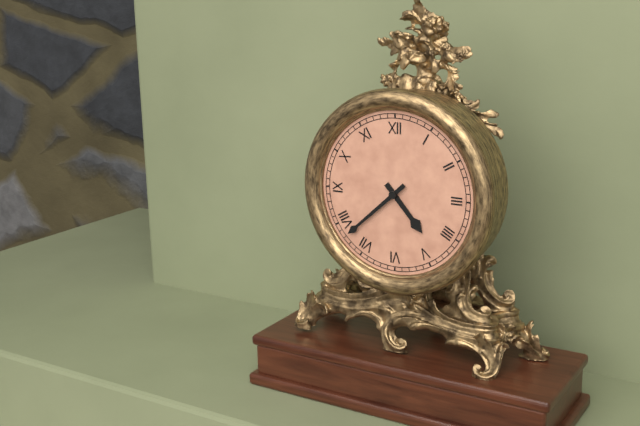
4:38
